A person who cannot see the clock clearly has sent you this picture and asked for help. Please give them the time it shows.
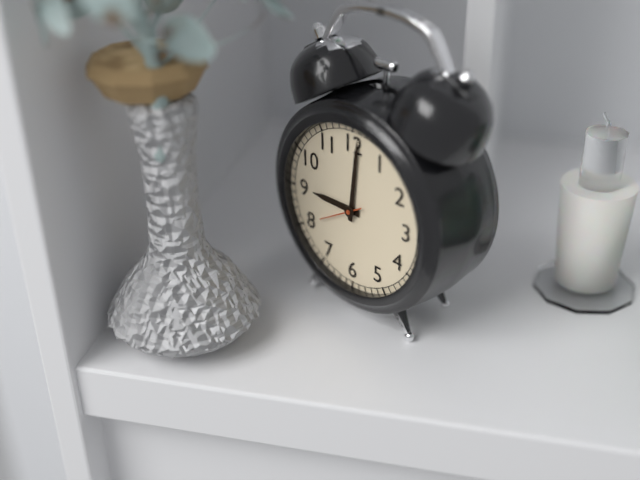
9:01
